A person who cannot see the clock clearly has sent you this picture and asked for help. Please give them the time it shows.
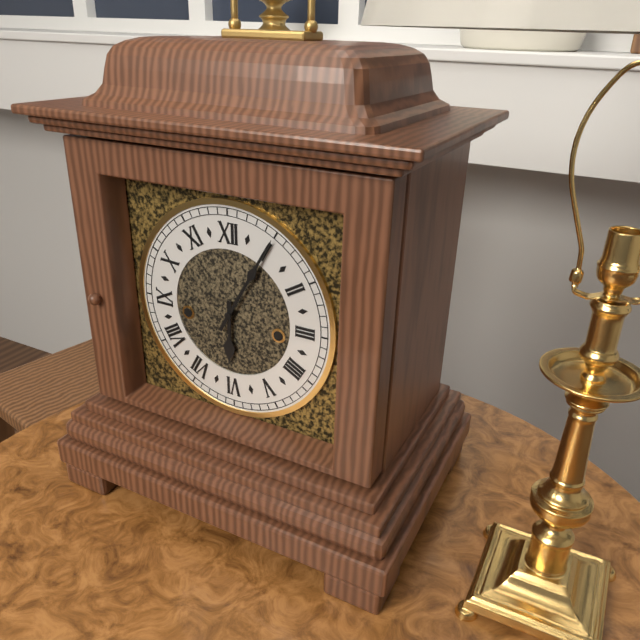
6:05
